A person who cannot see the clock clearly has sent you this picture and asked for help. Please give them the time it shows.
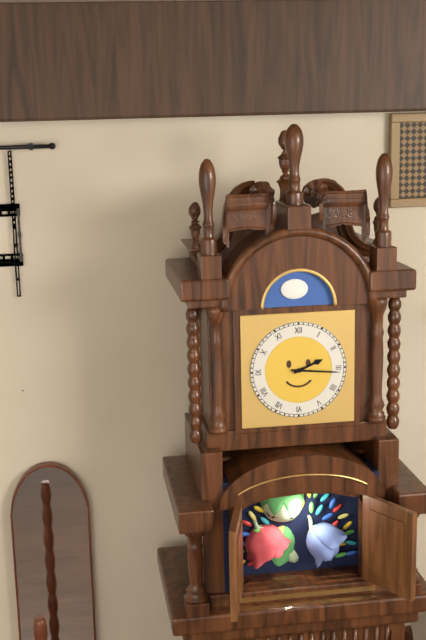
2:16
